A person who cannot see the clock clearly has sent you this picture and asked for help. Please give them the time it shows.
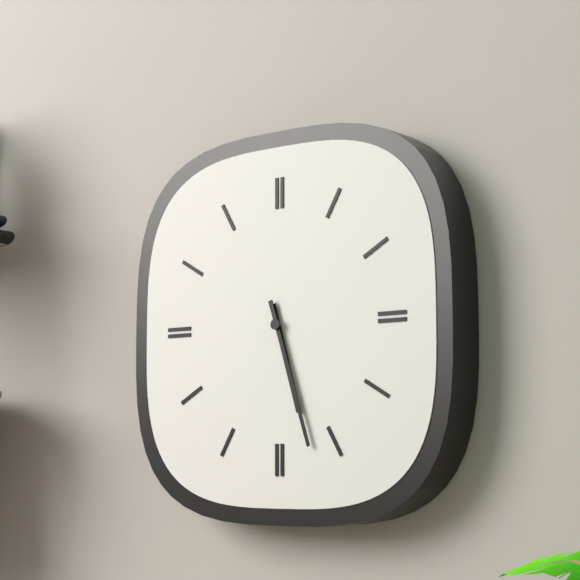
5:27
